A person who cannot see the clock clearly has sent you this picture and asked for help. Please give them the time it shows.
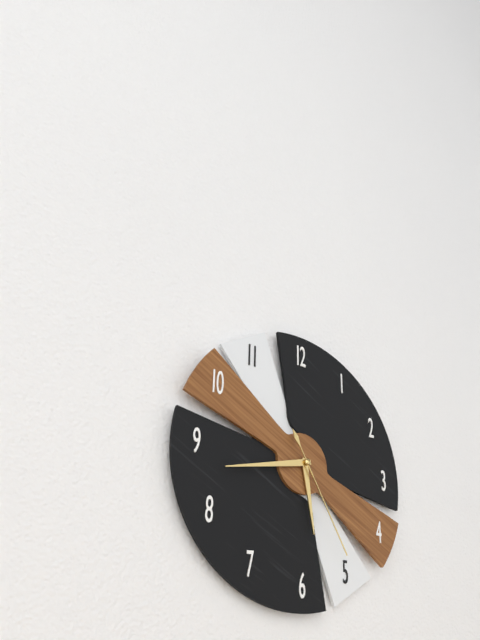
5:43:25
